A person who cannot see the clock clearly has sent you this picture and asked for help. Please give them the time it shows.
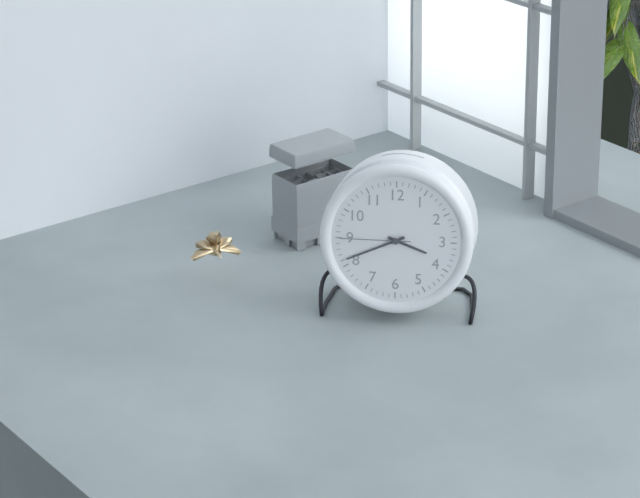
3:41:45
